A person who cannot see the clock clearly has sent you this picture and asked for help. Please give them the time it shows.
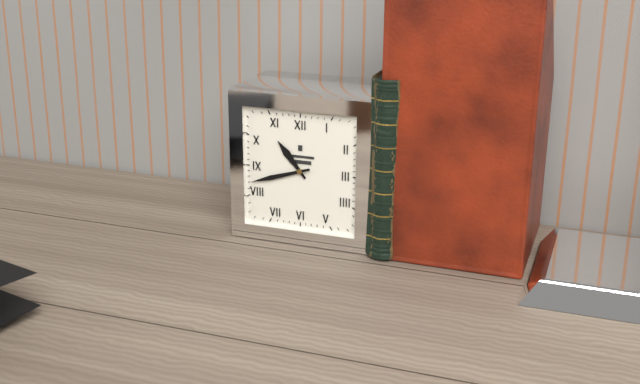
10:42
